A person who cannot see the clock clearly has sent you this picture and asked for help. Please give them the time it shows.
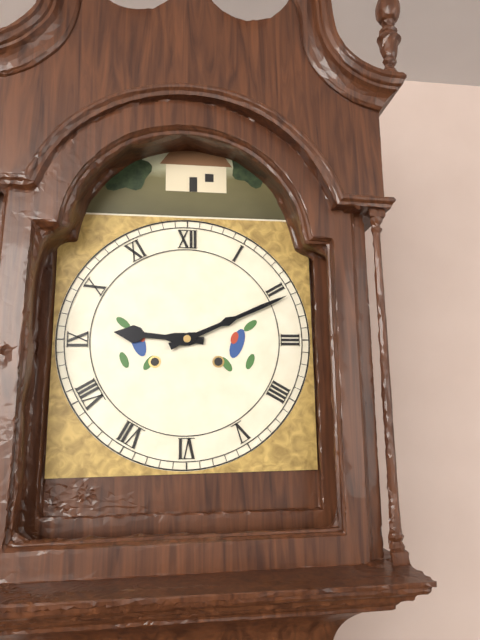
9:11
